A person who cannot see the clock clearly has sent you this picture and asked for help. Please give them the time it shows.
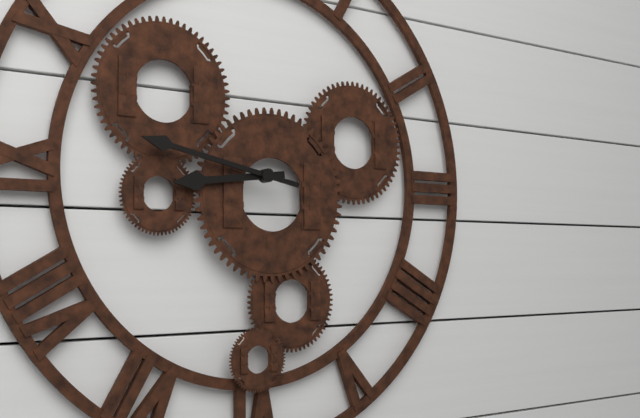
8:47
